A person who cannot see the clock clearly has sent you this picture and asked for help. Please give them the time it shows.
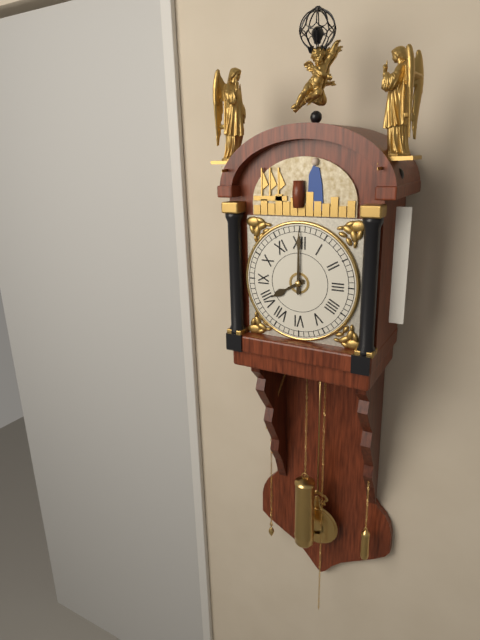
8:00
